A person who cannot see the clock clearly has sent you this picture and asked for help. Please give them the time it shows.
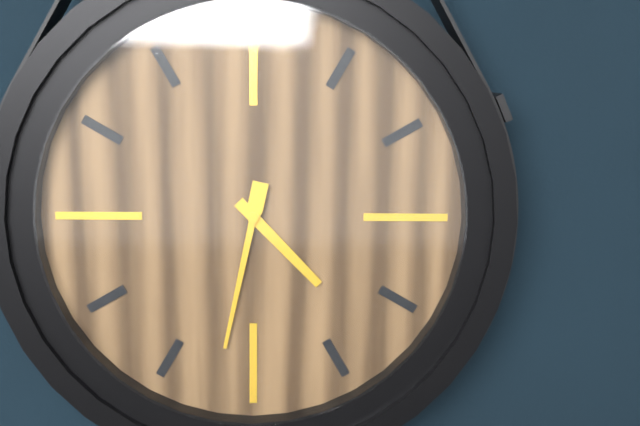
4:32
